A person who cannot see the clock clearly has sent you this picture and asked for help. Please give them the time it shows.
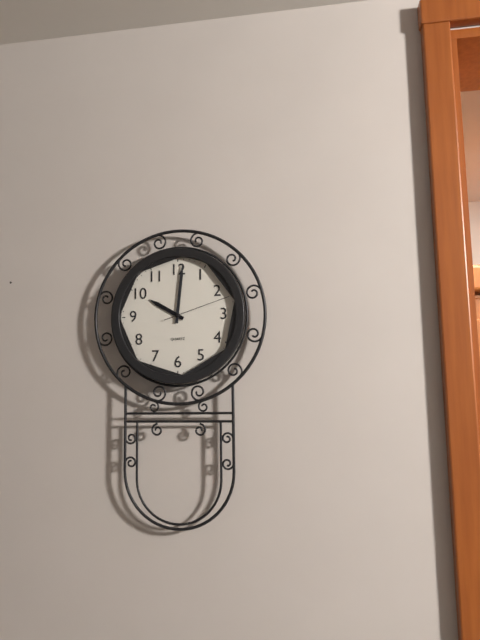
10:01:12
